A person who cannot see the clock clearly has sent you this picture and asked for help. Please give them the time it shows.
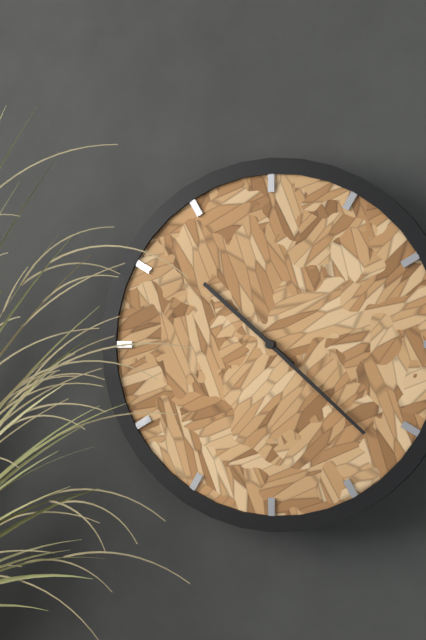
10:22
